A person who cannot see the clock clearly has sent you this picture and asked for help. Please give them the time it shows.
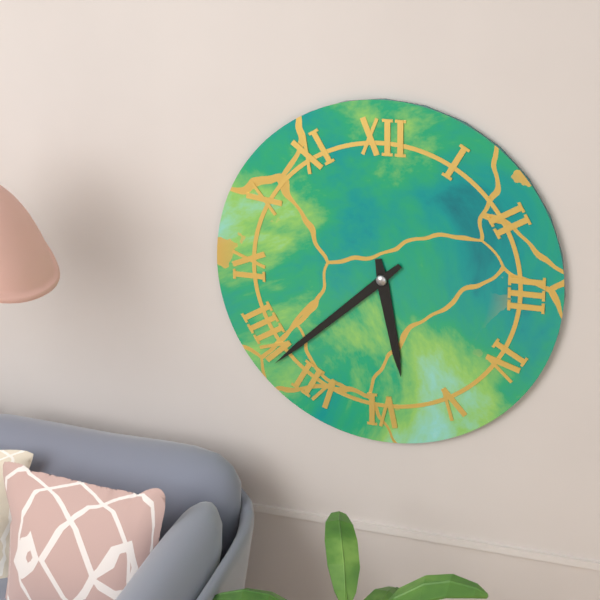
5:38
